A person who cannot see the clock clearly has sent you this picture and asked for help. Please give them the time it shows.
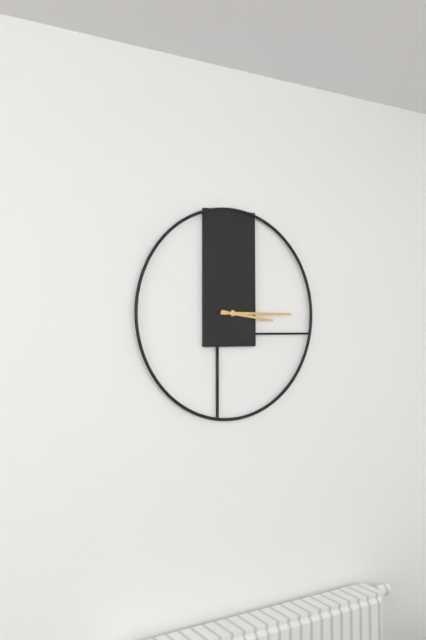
3:15
